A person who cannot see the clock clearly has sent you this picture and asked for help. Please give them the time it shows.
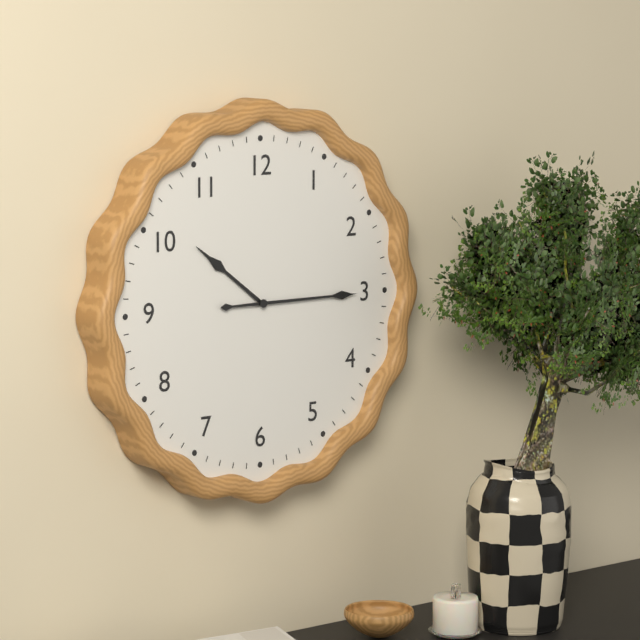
10:15
